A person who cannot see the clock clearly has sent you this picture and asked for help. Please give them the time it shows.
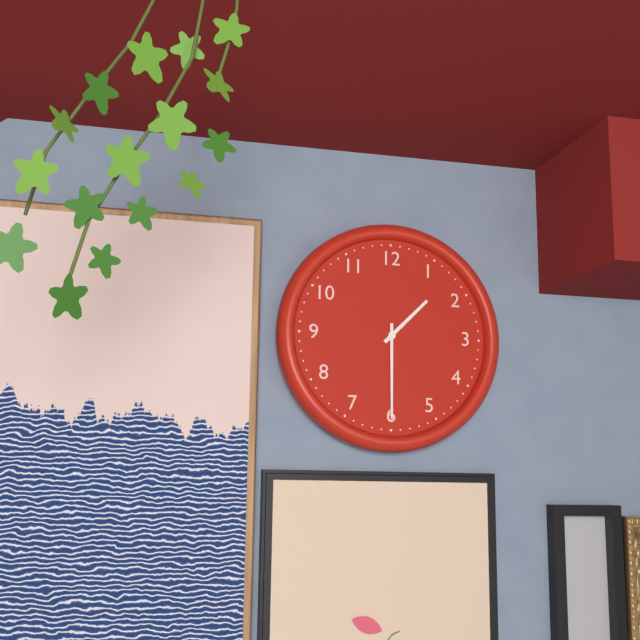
1:30
